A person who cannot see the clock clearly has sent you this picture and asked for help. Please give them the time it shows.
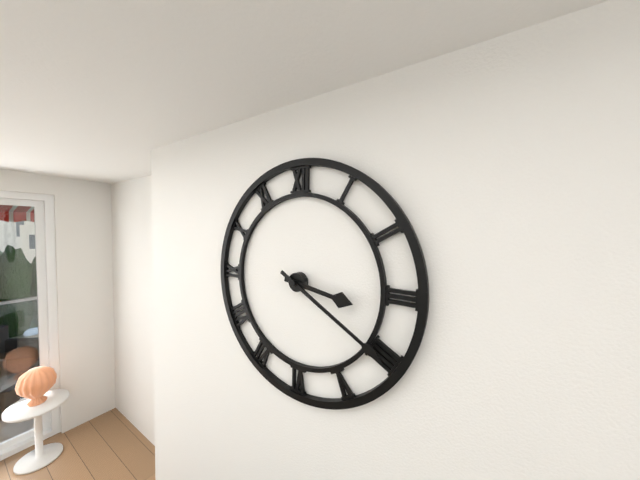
3:20
